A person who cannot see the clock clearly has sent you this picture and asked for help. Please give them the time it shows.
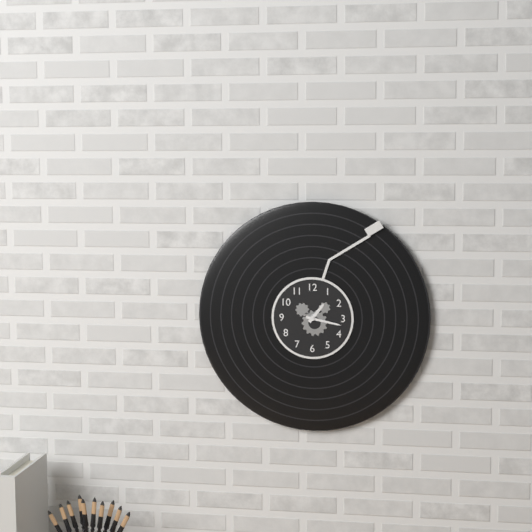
1:17
